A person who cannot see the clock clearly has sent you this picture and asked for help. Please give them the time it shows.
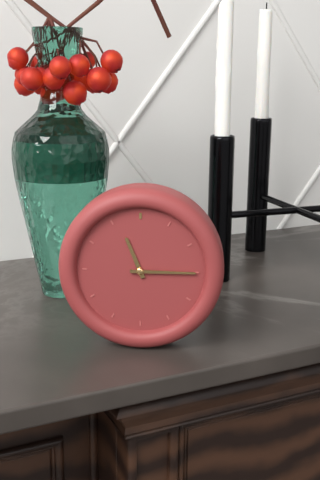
11:15
